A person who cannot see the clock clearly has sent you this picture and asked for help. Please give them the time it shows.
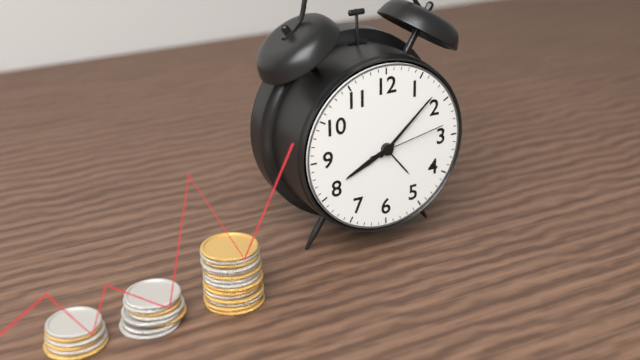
8:08:13
